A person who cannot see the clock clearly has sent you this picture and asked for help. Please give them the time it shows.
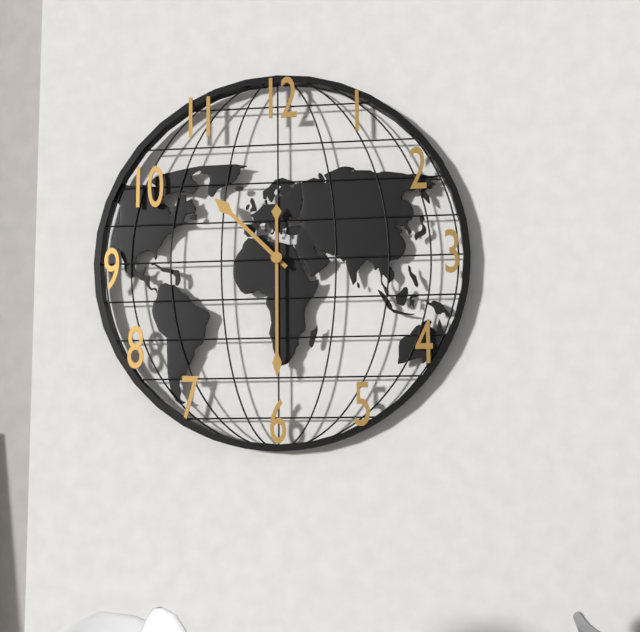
10:30
